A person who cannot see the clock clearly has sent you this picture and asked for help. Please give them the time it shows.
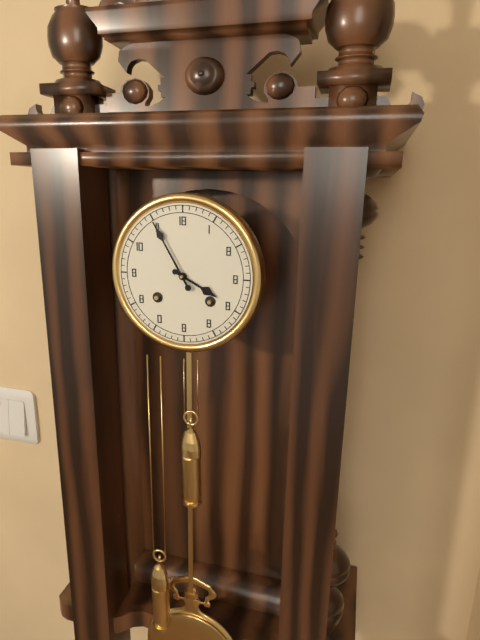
3:55
